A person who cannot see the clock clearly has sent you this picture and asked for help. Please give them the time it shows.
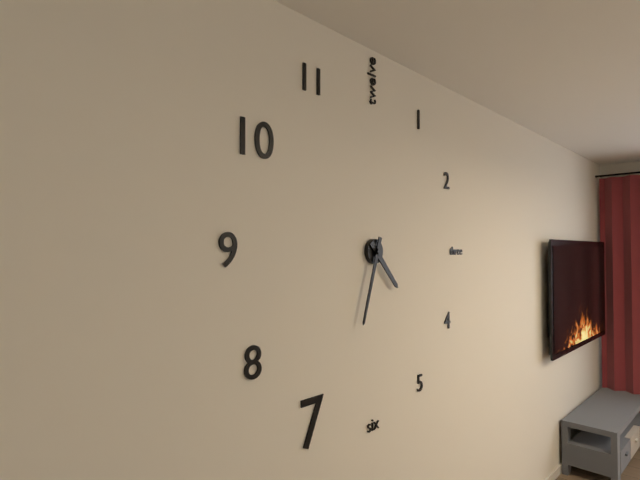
4:33
